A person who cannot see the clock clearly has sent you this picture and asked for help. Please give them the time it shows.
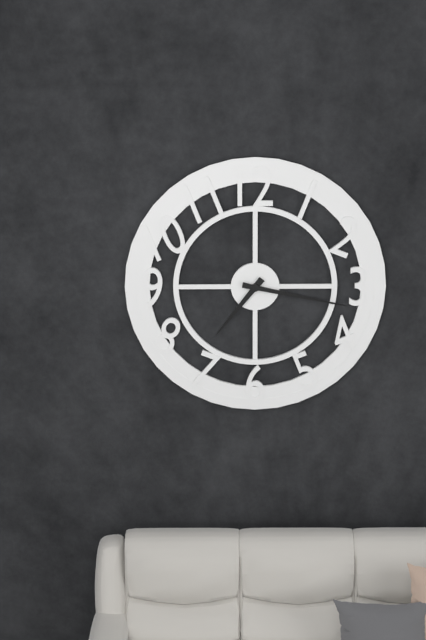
7:17
